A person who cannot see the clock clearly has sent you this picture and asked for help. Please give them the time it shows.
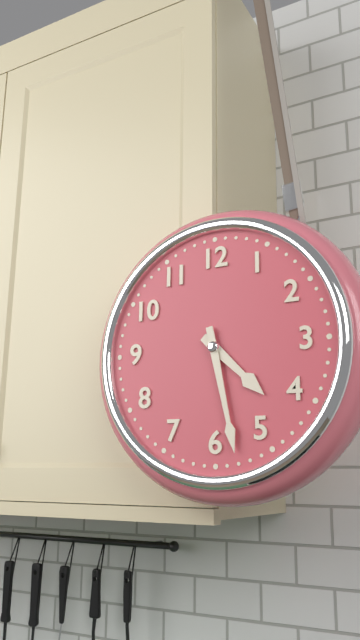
4:28
